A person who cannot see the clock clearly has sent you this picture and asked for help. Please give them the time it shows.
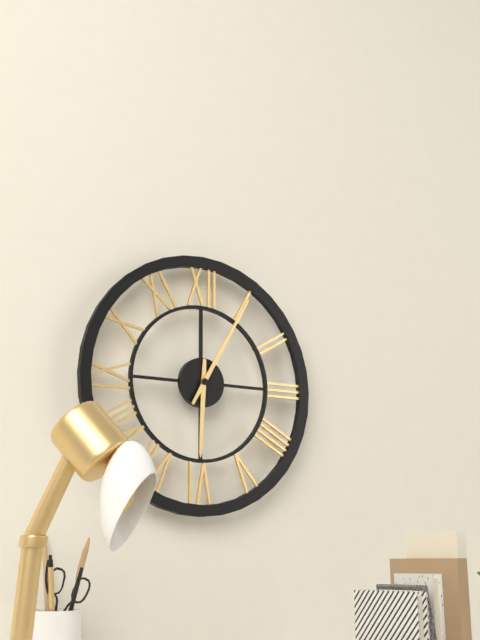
6:05
